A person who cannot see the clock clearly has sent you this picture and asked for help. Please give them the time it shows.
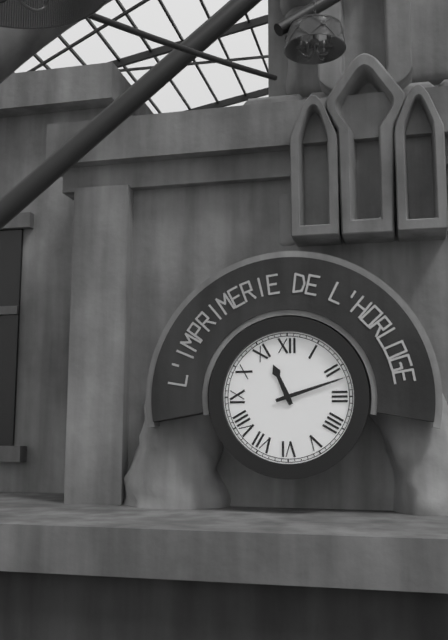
11:12
